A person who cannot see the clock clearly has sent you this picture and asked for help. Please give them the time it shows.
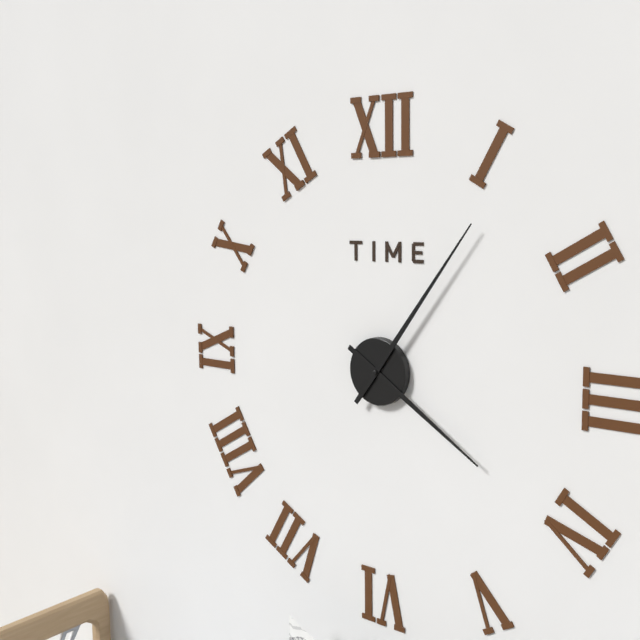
4:06
